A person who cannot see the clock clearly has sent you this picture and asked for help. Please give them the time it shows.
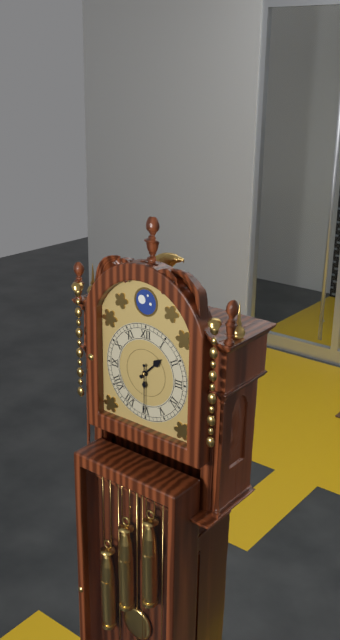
1:30
